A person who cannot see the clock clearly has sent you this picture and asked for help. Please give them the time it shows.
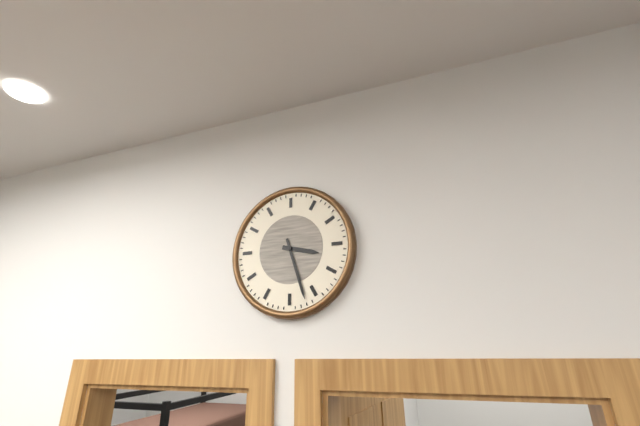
3:27
